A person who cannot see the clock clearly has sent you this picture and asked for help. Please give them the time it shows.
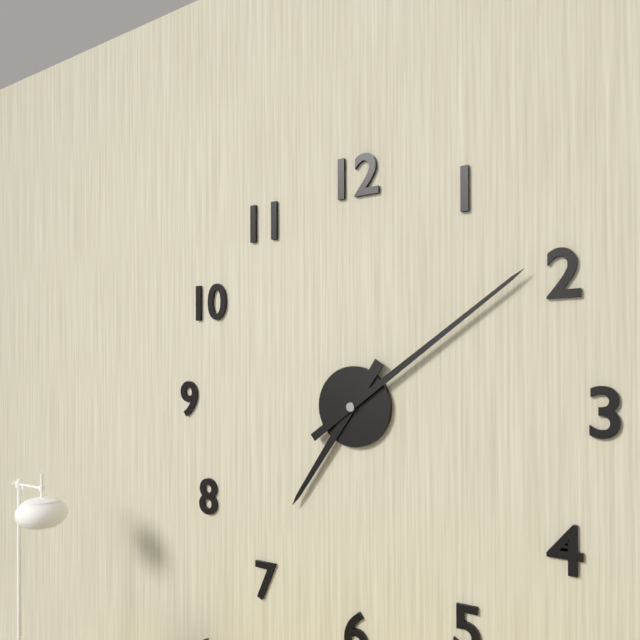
7:09
